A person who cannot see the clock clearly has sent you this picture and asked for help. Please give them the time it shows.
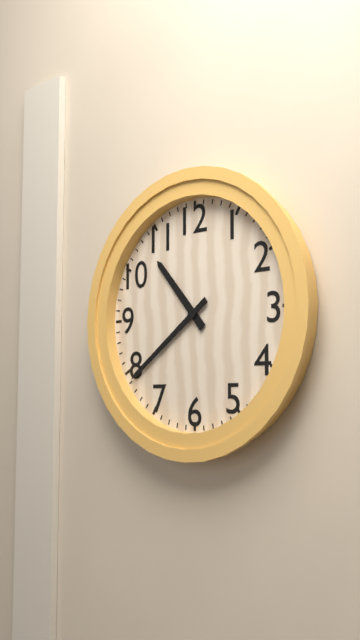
10:39
